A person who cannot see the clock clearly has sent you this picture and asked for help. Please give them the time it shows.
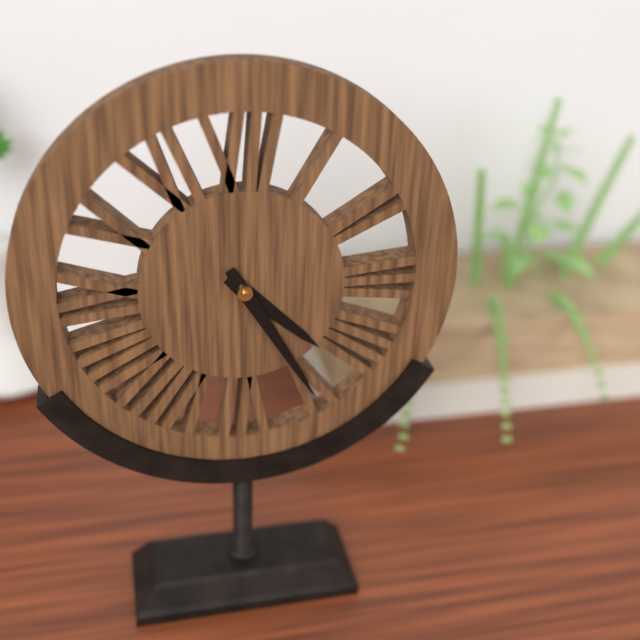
4:25
